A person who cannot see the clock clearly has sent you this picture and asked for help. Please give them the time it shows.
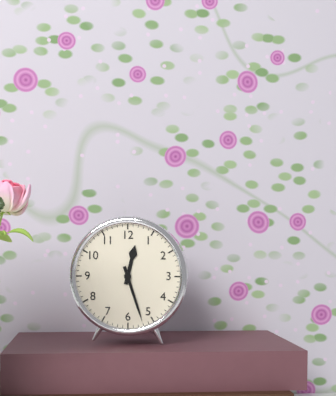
12:27
